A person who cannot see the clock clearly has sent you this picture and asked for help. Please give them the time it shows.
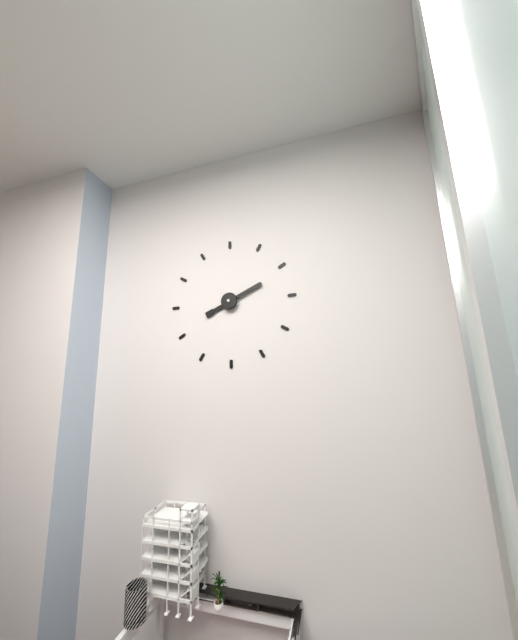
8:11
